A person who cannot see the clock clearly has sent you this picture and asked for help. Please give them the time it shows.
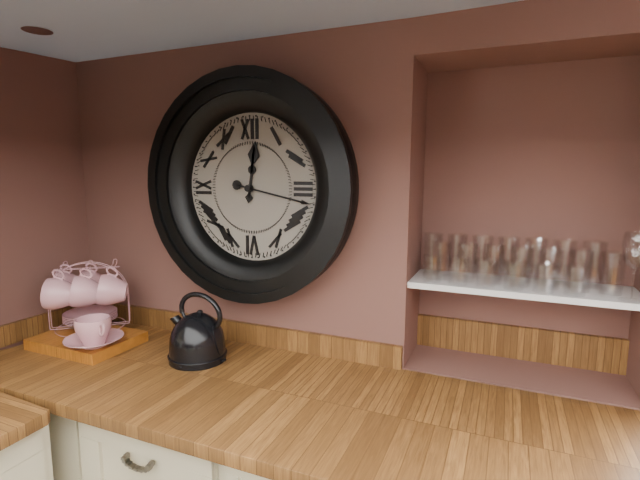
12:17
